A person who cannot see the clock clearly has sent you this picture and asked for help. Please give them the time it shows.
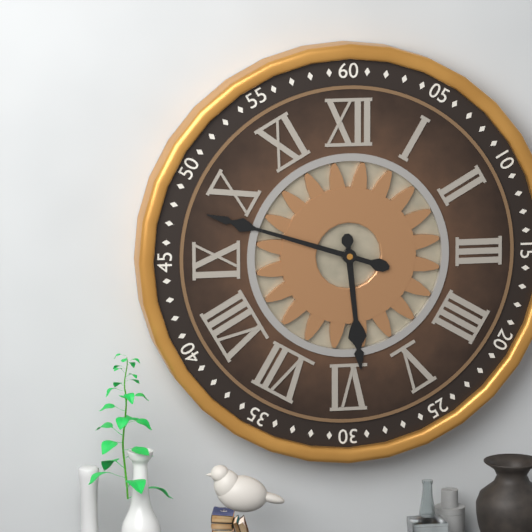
5:48
